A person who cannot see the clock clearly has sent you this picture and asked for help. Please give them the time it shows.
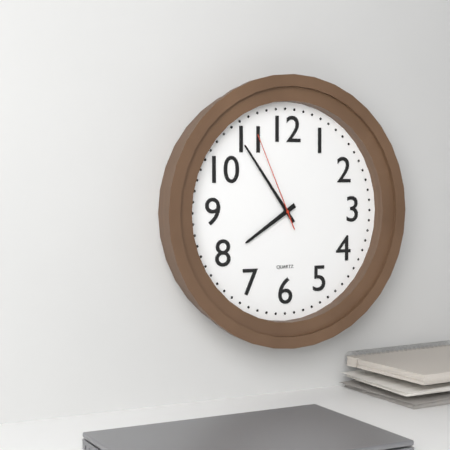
7:54:56
